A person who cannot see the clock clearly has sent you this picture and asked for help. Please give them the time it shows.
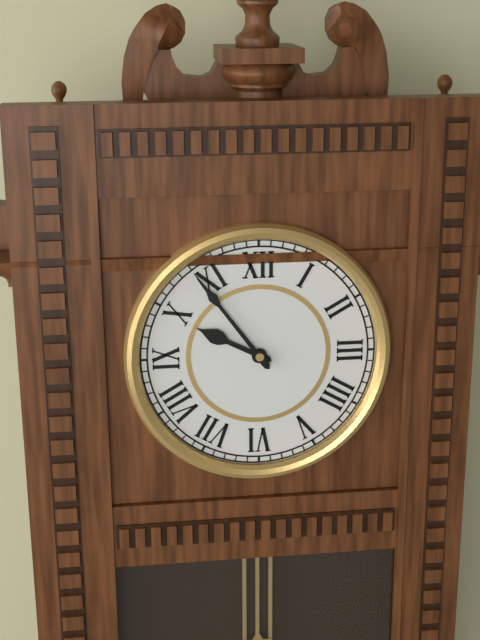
9:54
